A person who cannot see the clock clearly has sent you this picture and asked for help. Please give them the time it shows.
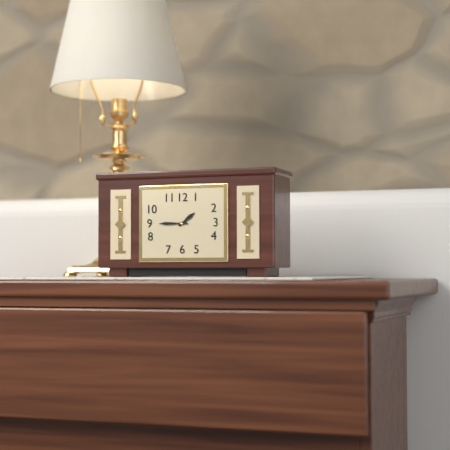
1:45
